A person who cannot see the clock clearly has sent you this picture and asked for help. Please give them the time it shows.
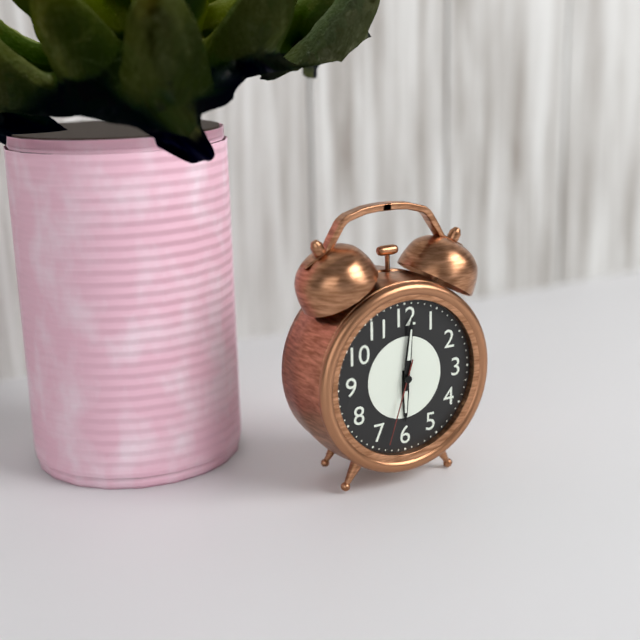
6:01:33
